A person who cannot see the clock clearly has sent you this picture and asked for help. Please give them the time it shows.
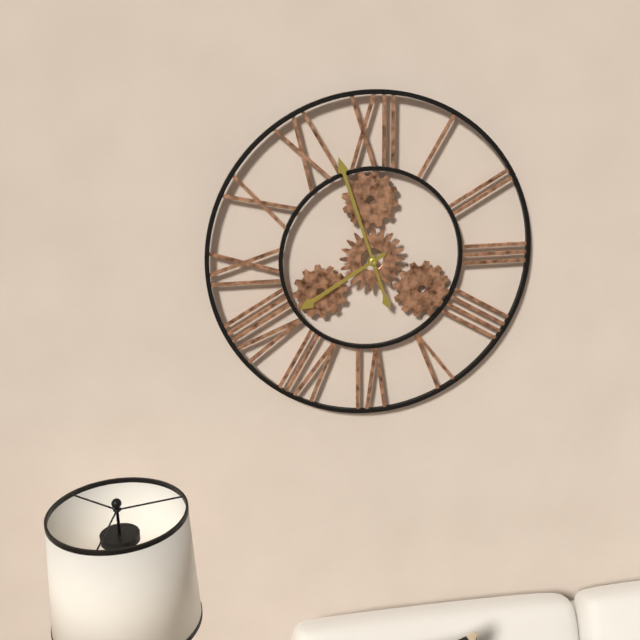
7:57
